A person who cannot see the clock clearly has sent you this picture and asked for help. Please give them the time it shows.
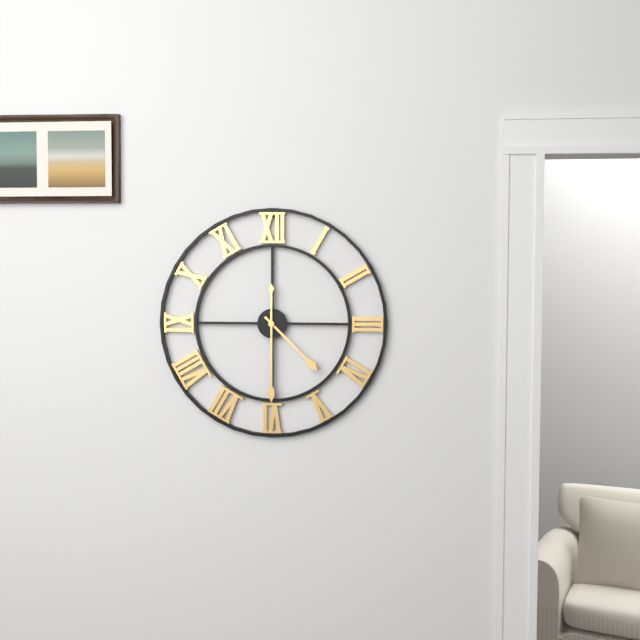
4:30
